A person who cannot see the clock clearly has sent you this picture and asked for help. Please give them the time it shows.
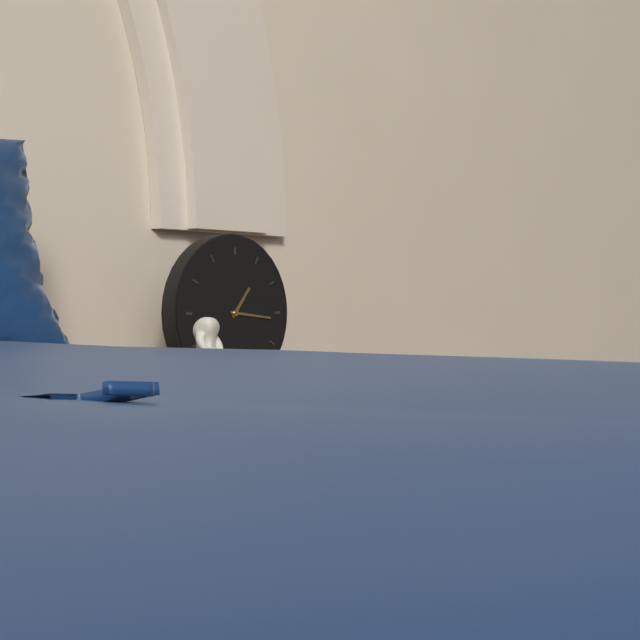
1:16
